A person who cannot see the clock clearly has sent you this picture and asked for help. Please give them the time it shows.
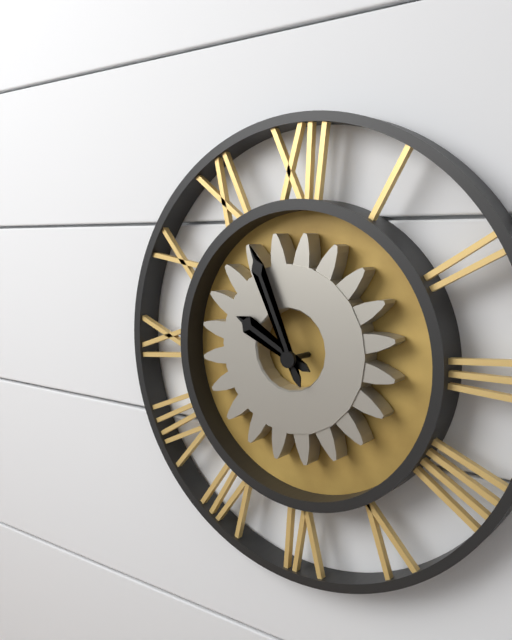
9:56
